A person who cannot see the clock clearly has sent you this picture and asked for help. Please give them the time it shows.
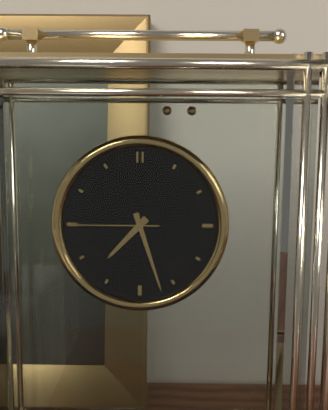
7:27:45
